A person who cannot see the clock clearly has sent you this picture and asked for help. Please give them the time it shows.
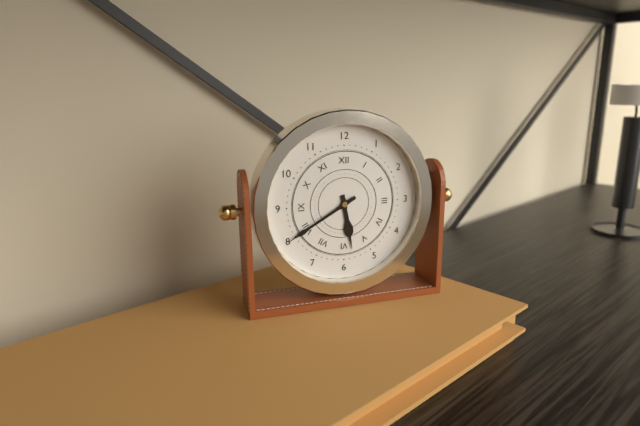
5:40
